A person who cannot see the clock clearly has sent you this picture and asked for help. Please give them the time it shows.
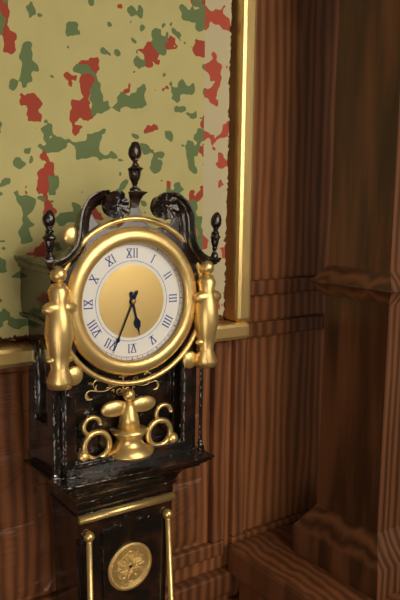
5:34
